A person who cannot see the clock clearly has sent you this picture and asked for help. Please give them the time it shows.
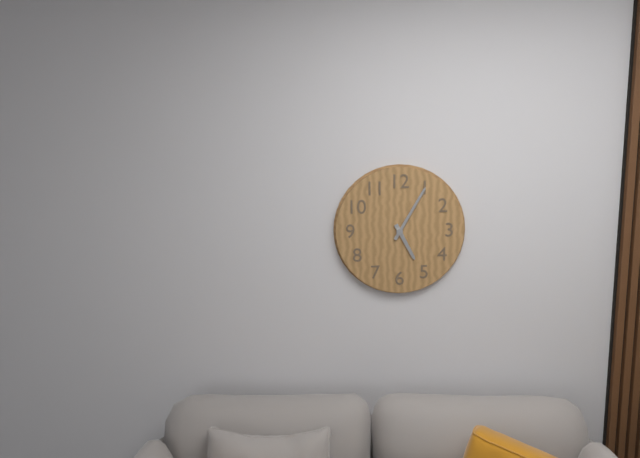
5:05
